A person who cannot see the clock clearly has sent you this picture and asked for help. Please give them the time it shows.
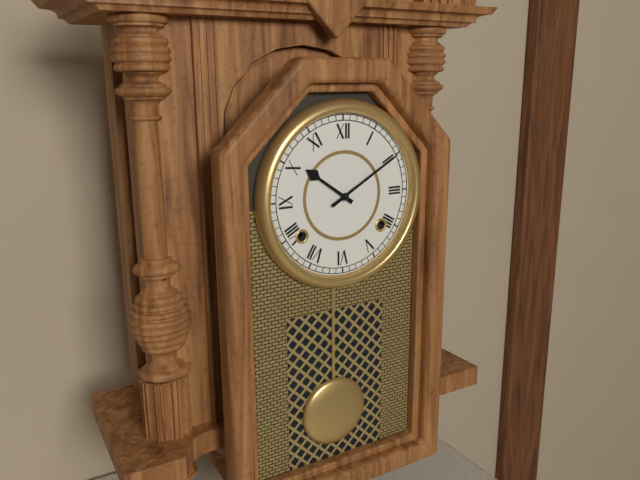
10:10
